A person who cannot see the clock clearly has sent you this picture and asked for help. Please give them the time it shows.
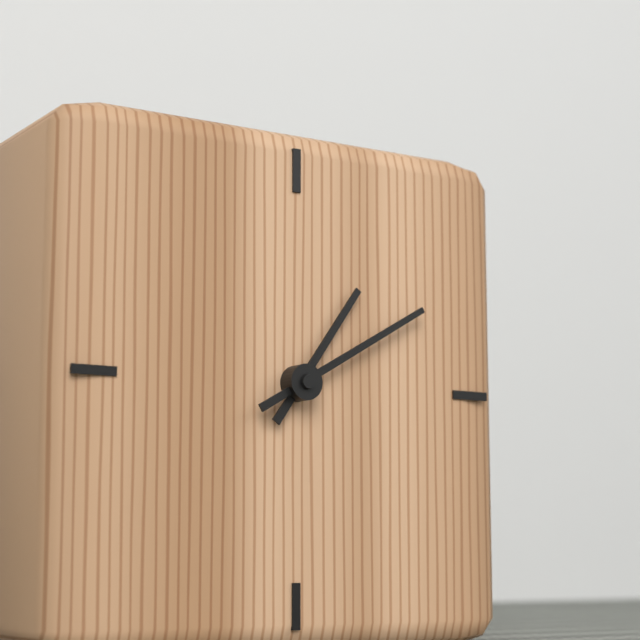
1:10
